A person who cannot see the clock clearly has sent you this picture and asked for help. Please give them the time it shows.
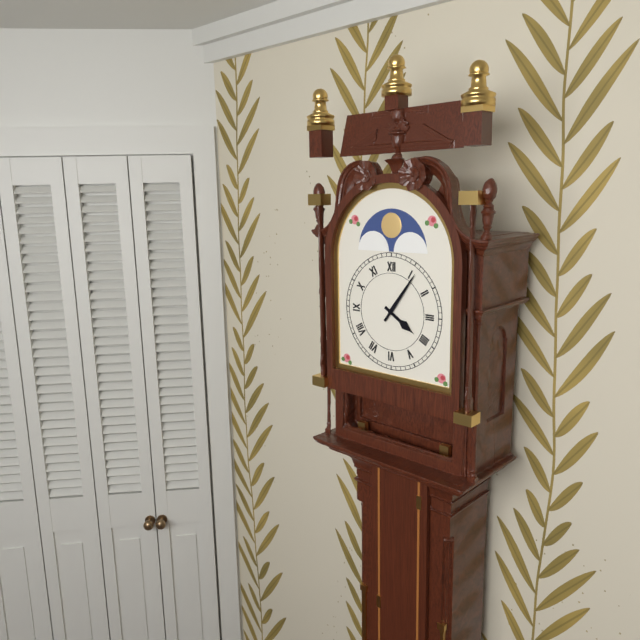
4:06
